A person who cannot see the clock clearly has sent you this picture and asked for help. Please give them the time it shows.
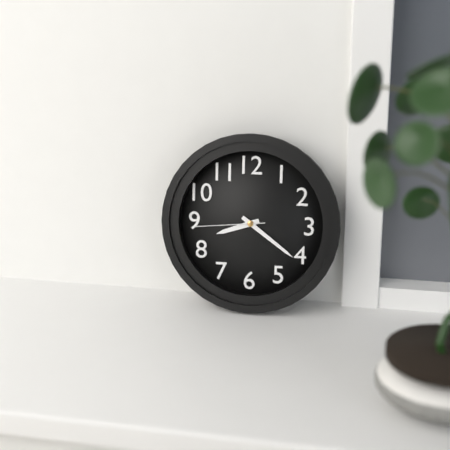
8:21:44
